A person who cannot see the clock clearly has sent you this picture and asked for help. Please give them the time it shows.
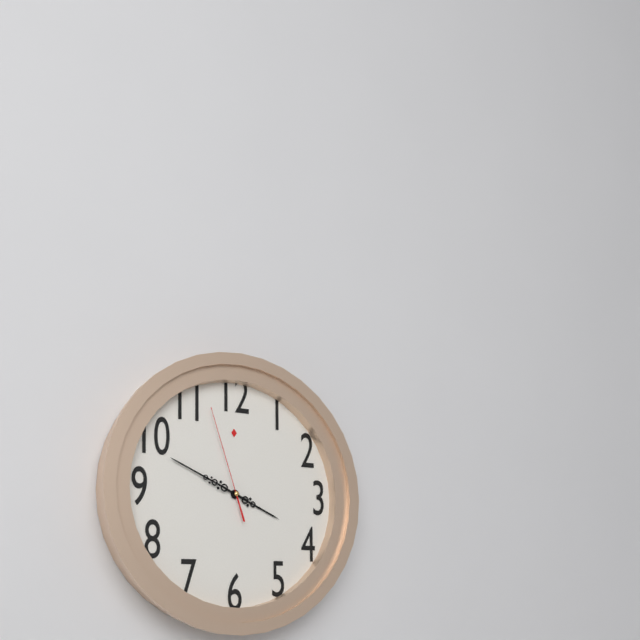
3:49:57
